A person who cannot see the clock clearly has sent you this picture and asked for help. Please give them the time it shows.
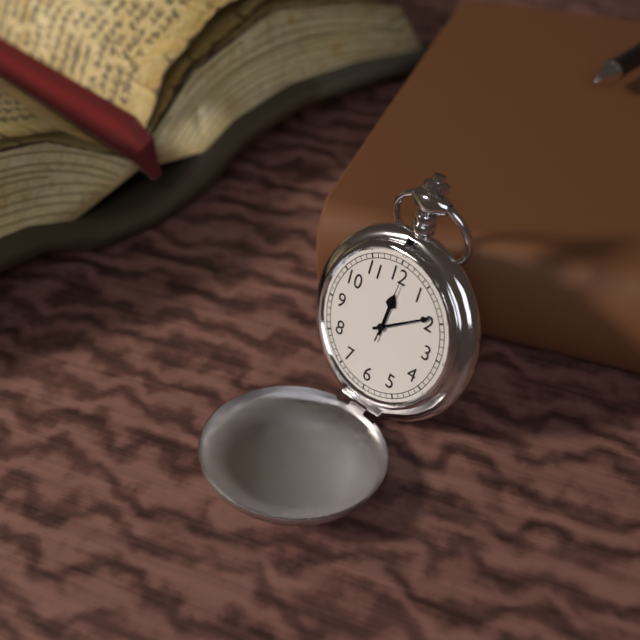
12:09:01
